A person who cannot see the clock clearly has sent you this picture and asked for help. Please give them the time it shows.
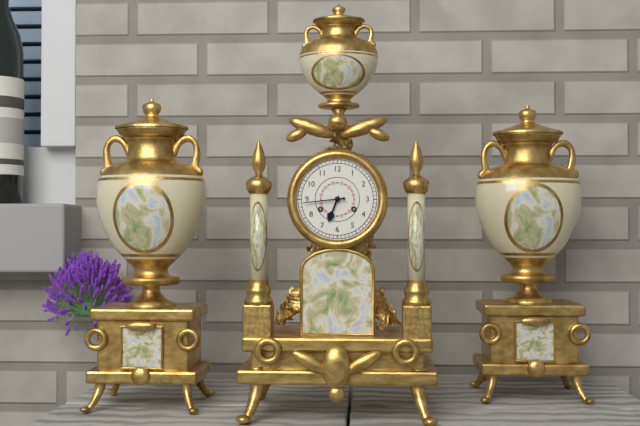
6:44
